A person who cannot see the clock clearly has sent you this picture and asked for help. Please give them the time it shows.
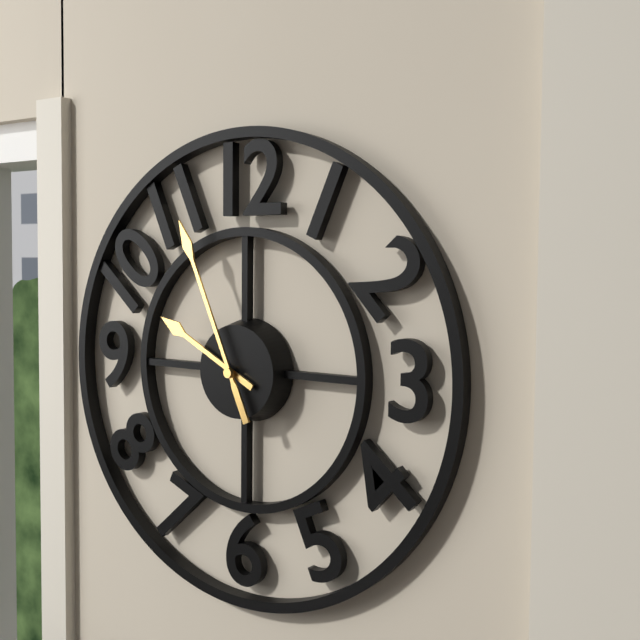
9:56
